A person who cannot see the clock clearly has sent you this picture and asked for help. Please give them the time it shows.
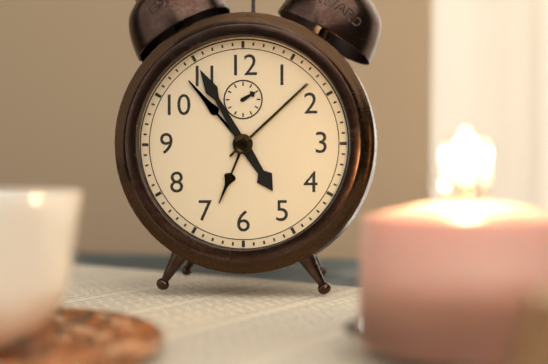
4:55
